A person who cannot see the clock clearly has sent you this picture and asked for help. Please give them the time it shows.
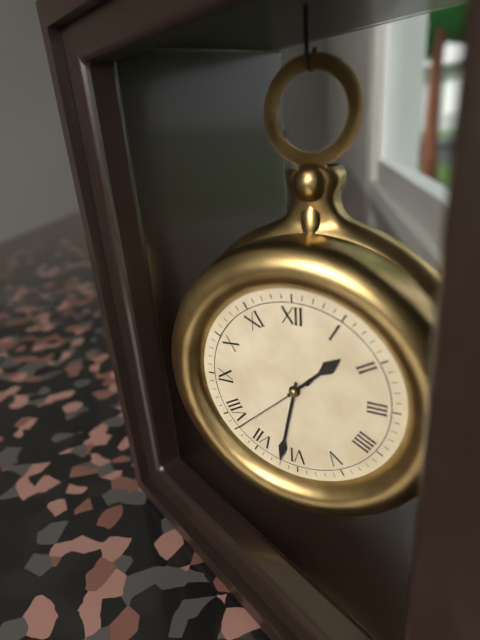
1:32:38
